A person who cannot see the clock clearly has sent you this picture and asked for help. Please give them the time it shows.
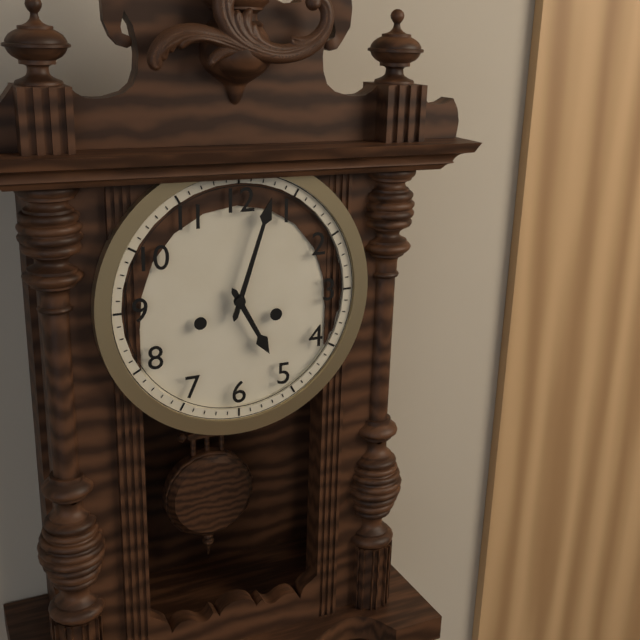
5:03
